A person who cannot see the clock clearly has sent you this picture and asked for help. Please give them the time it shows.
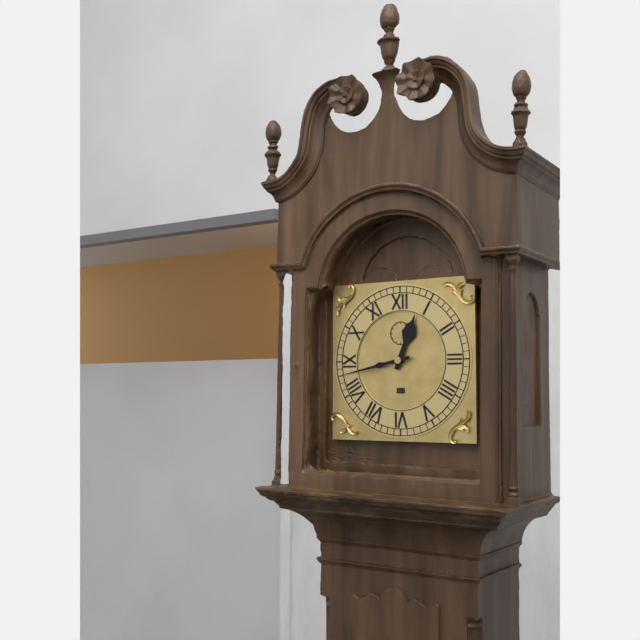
12:43
